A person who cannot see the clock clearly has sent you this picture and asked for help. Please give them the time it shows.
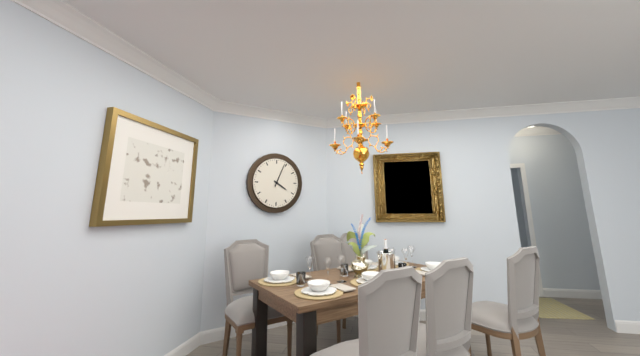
4:04
